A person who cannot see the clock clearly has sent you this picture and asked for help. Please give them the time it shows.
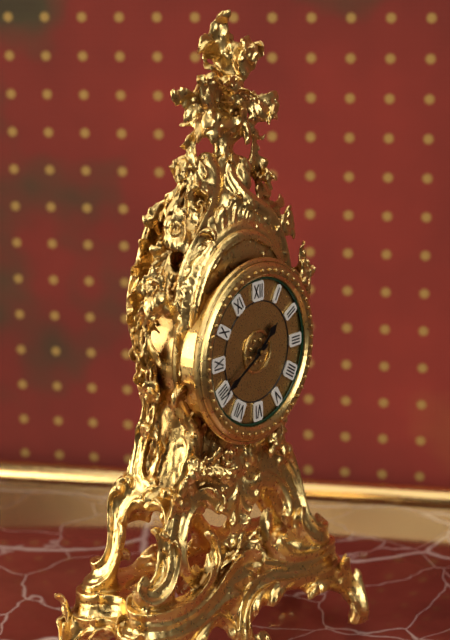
1:40
